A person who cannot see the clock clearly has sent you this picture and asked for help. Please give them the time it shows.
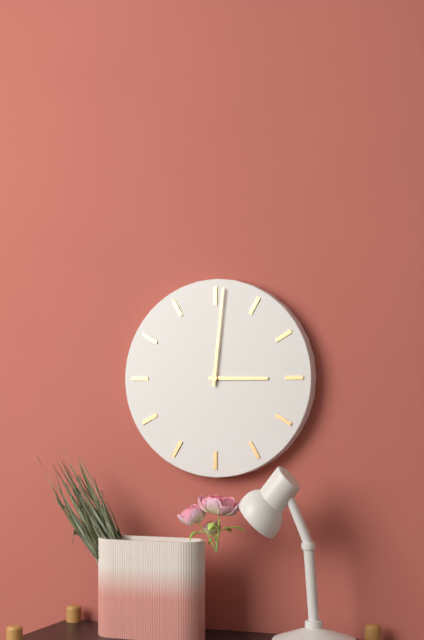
3:01
